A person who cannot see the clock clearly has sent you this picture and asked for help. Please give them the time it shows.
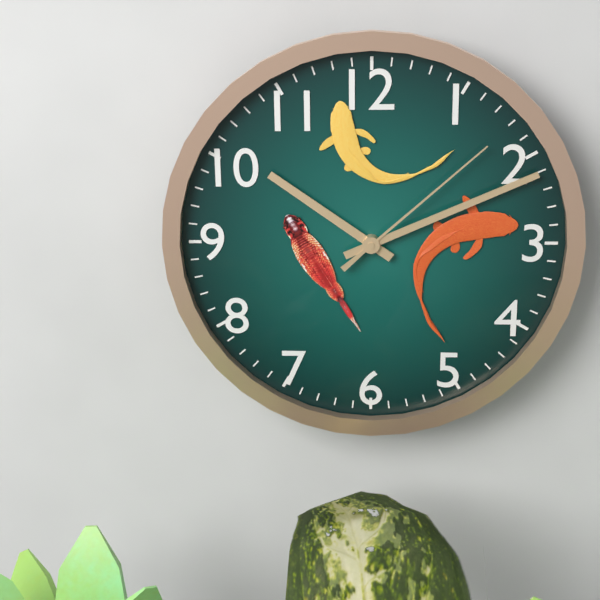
10:11:08
